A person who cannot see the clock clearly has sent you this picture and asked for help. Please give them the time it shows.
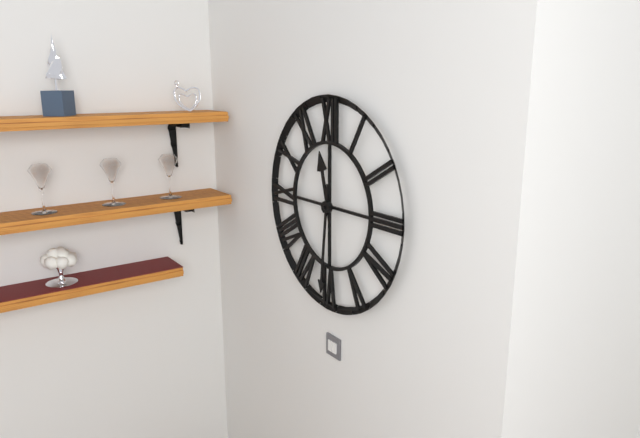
11:31
